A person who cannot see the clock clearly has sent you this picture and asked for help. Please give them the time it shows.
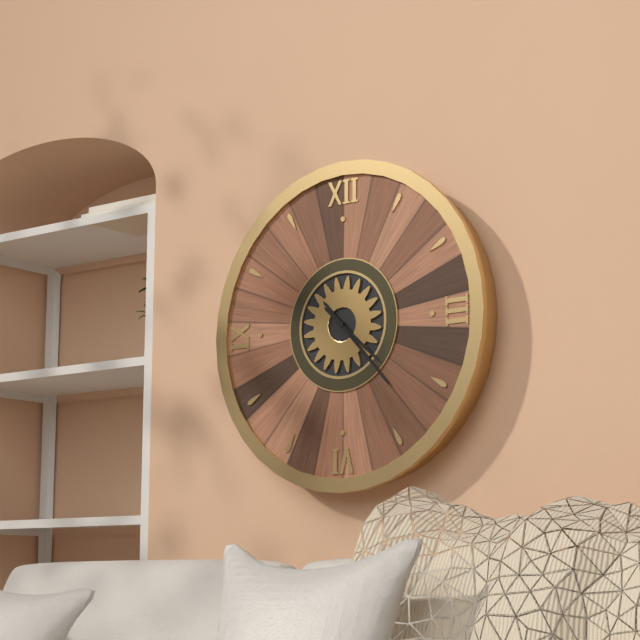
4:23
